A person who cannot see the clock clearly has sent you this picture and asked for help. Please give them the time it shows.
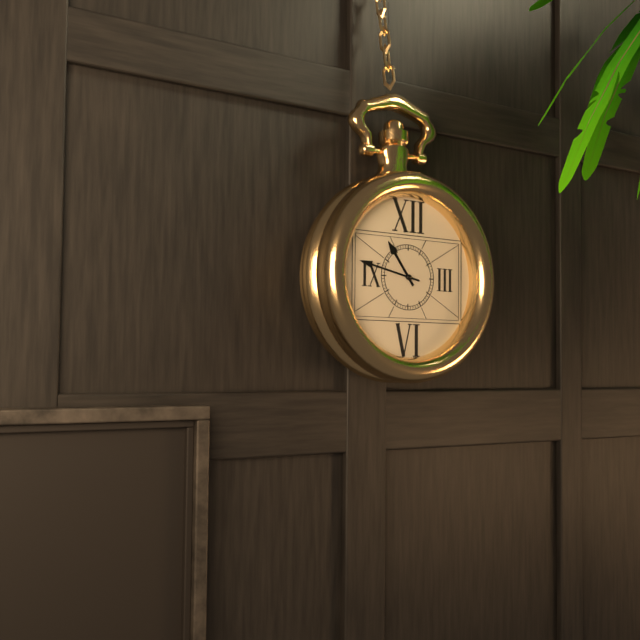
10:47
